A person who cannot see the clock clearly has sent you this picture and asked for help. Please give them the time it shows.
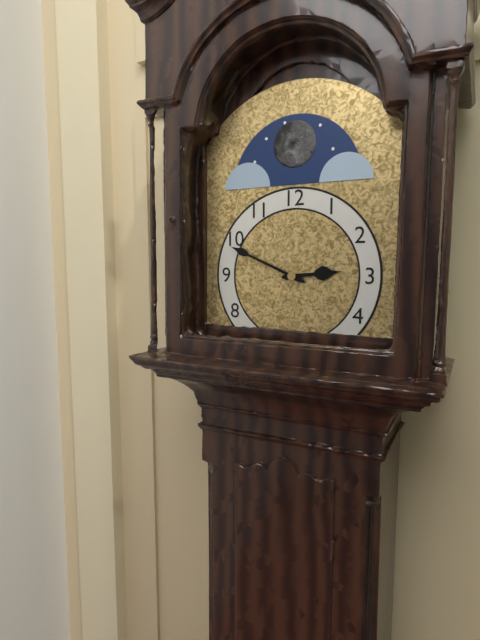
2:49
